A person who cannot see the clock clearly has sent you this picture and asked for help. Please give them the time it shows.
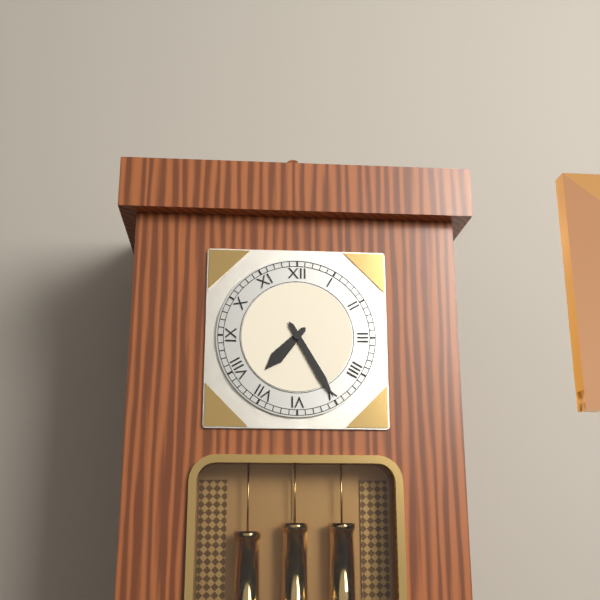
7:25
